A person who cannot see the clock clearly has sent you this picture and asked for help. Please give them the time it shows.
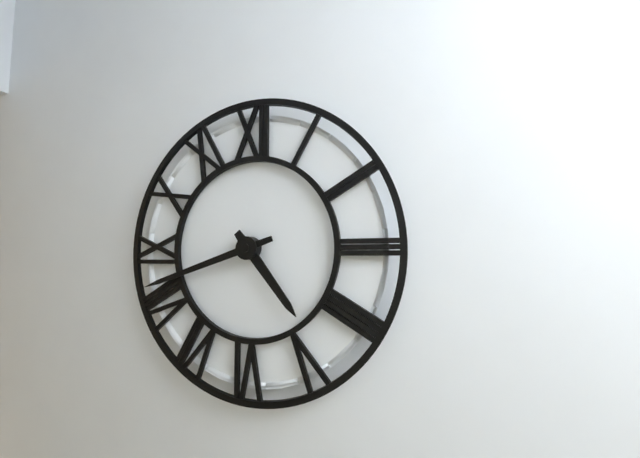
4:42
